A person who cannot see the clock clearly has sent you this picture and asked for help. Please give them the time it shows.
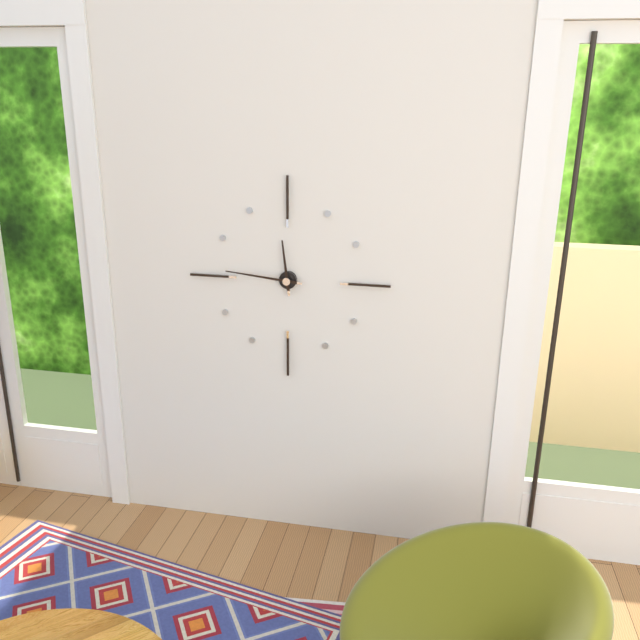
11:46
